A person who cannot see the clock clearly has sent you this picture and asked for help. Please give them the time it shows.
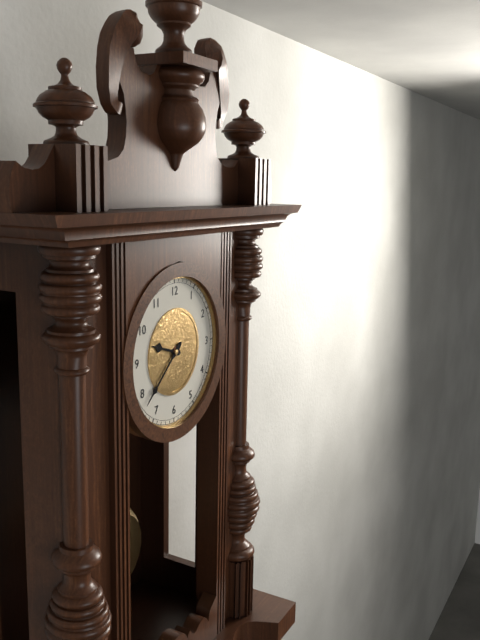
9:38
